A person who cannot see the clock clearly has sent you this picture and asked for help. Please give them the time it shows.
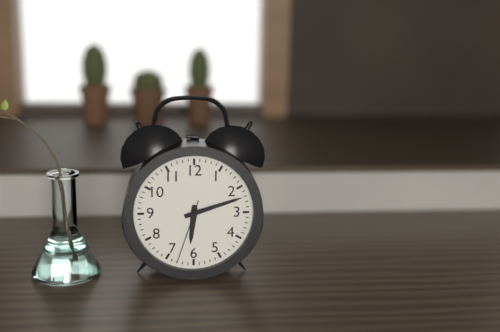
6:12:33
